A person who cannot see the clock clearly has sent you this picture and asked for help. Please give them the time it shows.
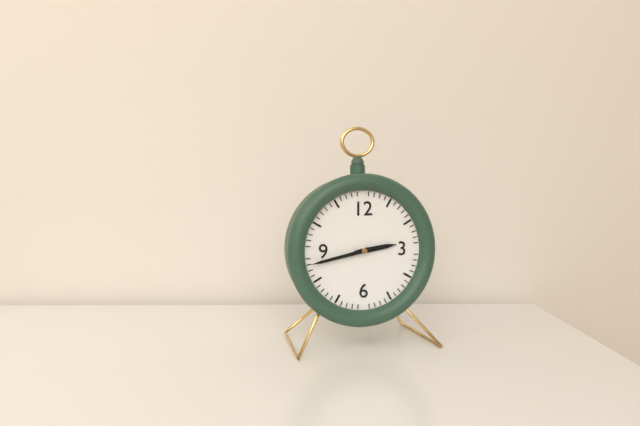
2:43
